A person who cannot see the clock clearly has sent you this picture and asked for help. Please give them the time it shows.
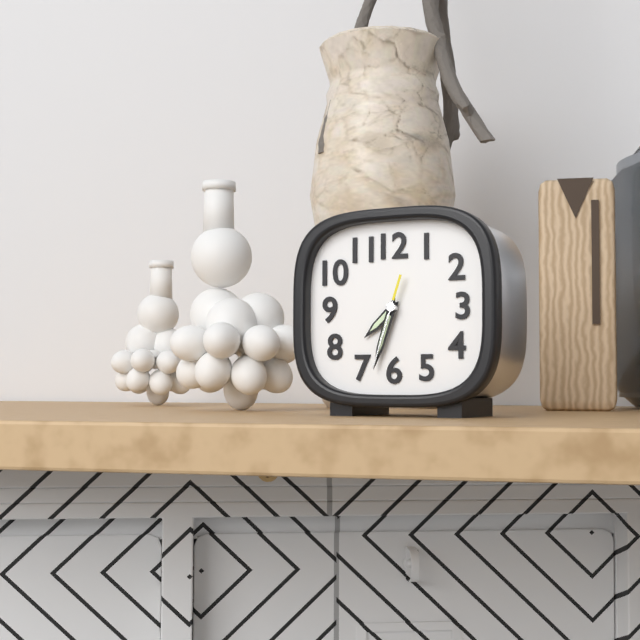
7:33:33
